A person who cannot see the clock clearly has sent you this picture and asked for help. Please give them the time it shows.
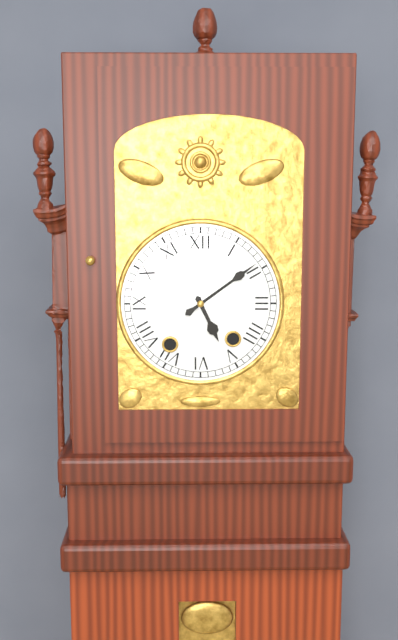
5:09
